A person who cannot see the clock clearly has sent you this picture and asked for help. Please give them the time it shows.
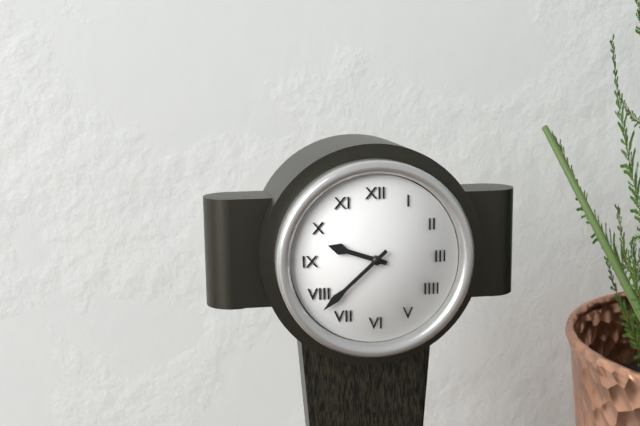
9:38
